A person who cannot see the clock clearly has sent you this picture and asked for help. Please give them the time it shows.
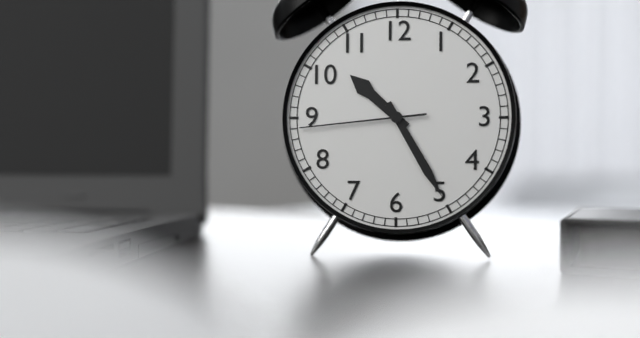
10:25:44
